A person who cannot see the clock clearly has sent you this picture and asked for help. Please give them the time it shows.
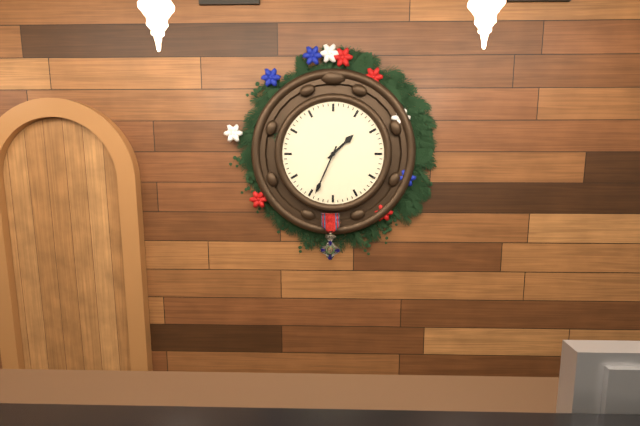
1:34
